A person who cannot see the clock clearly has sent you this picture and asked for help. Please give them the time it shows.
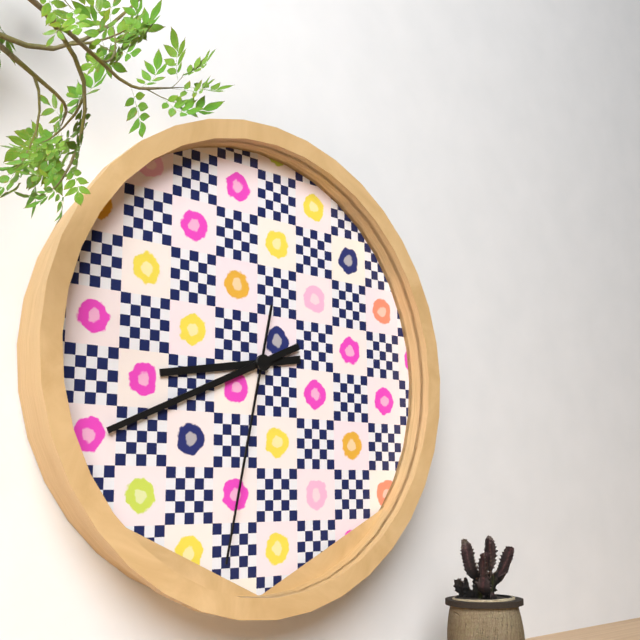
8:41:32
